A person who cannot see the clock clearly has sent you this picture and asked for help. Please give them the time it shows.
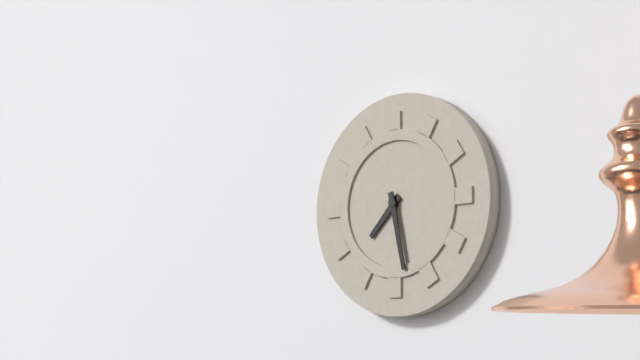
7:28
